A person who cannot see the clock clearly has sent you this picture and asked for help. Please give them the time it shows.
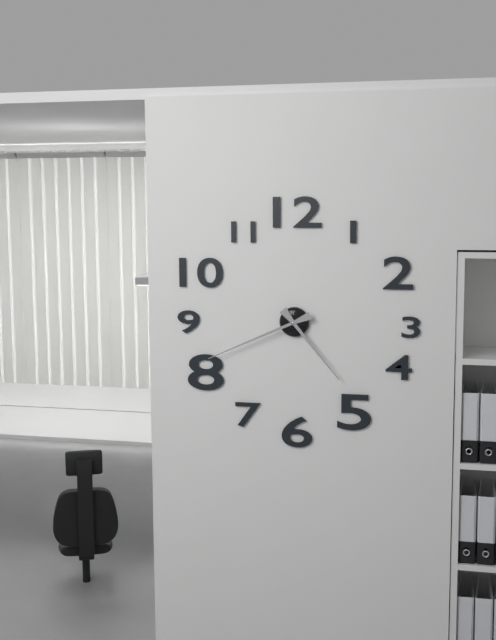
4:41
